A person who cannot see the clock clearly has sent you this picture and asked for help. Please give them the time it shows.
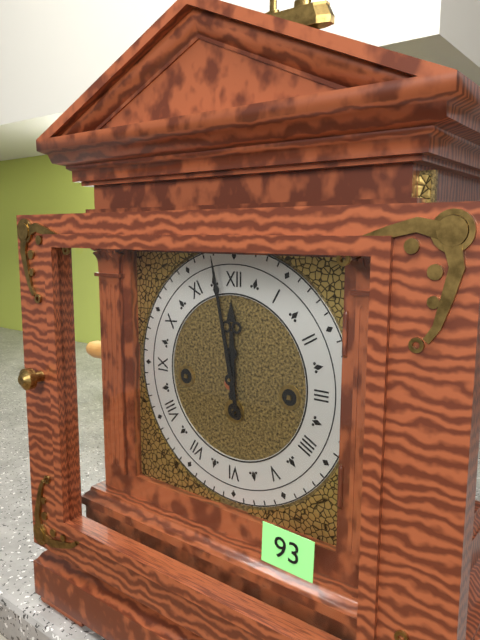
11:58
